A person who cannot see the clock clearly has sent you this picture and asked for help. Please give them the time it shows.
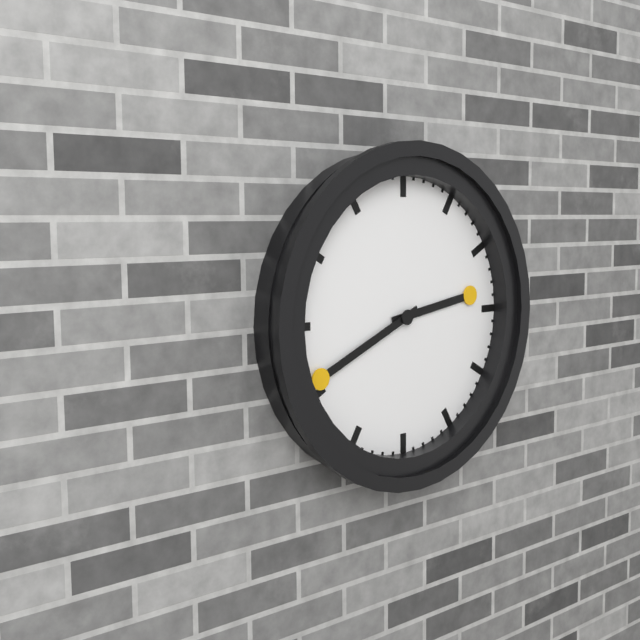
2:41
